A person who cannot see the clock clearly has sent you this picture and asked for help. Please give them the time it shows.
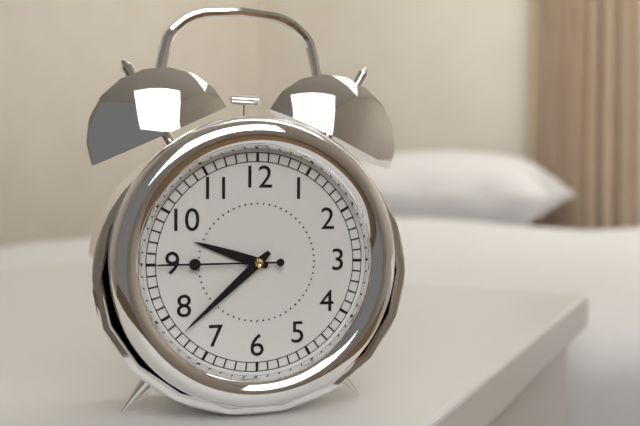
9:38:45
